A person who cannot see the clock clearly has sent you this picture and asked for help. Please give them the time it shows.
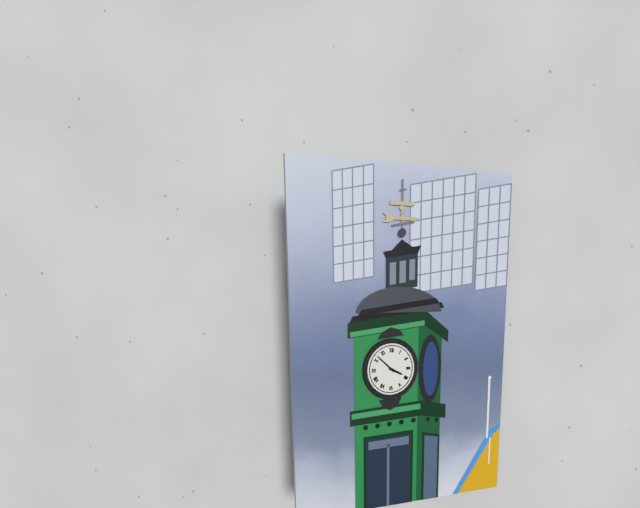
3:52
